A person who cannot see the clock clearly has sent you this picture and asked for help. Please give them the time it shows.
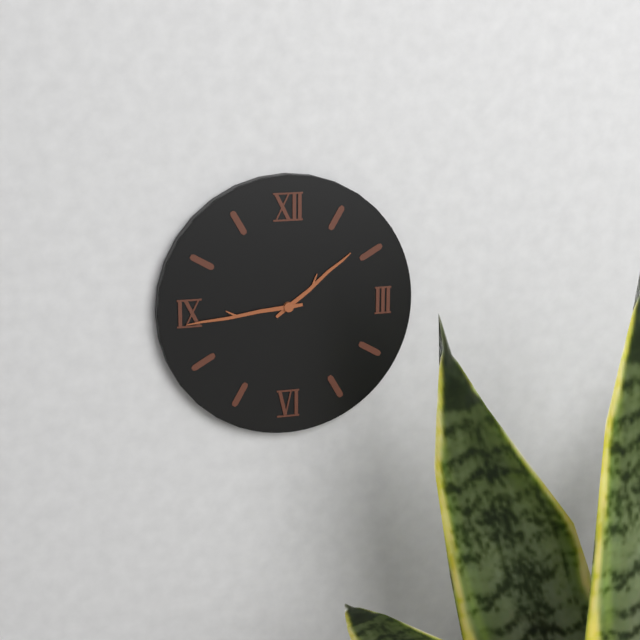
1:44
